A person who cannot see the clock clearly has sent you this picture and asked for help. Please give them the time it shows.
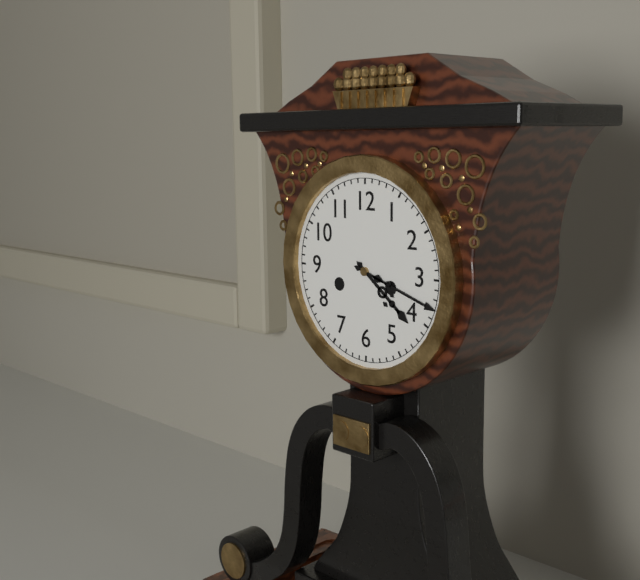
4:18
